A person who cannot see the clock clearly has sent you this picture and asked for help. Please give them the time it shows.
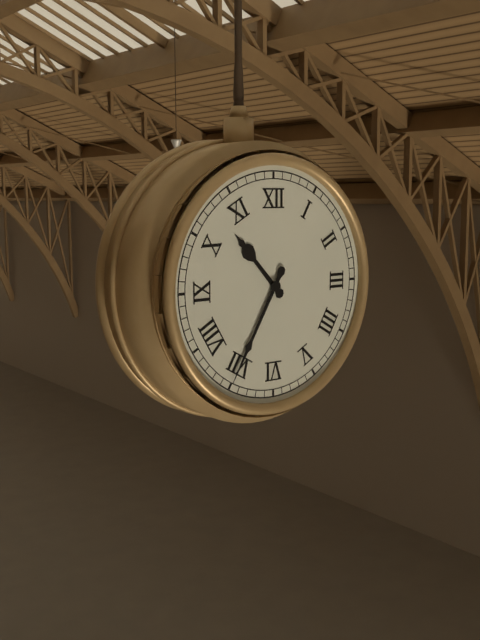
10:35
